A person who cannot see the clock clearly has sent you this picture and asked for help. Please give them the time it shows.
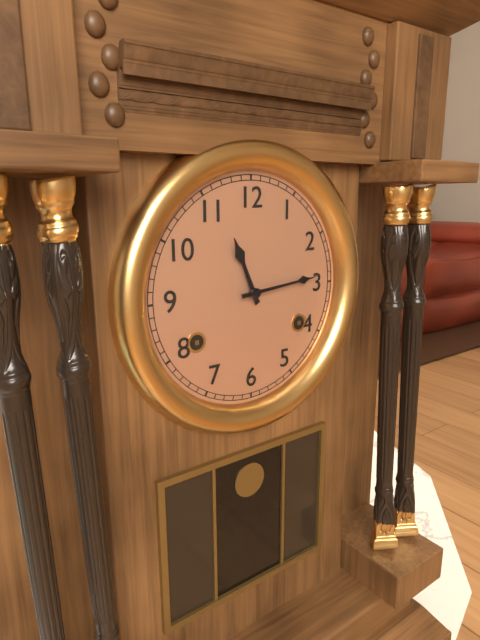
11:14
